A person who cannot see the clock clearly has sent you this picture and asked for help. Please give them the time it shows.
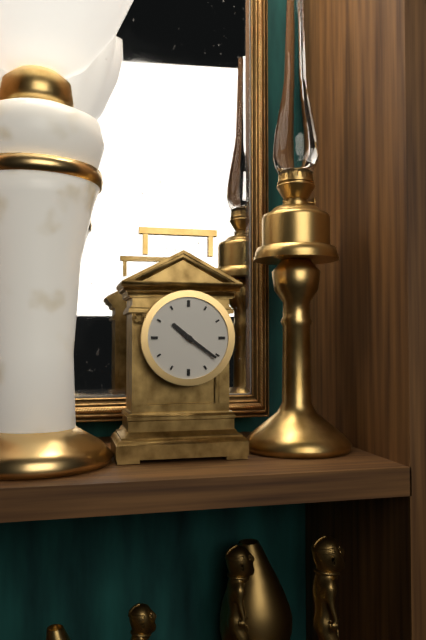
10:21
